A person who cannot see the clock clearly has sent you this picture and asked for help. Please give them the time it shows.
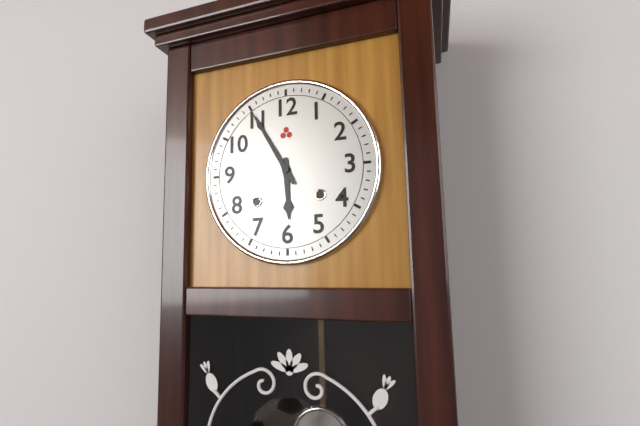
5:55
